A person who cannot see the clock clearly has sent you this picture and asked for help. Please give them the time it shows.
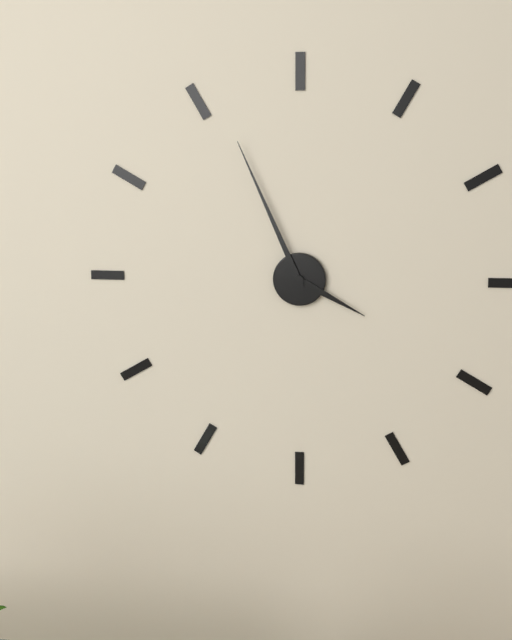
3:56
